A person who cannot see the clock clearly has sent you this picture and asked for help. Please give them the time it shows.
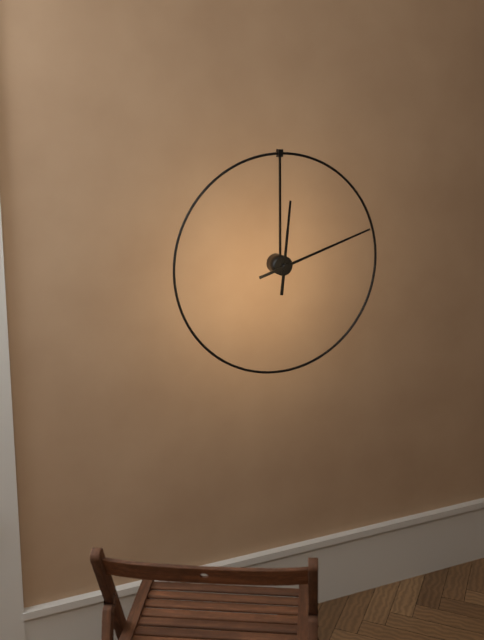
12:12
